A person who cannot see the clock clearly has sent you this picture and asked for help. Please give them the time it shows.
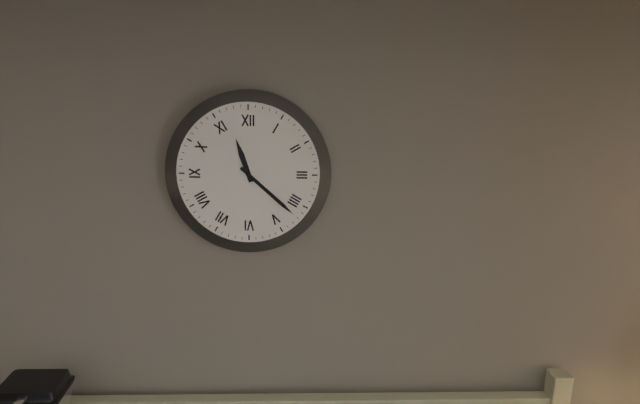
11:22
